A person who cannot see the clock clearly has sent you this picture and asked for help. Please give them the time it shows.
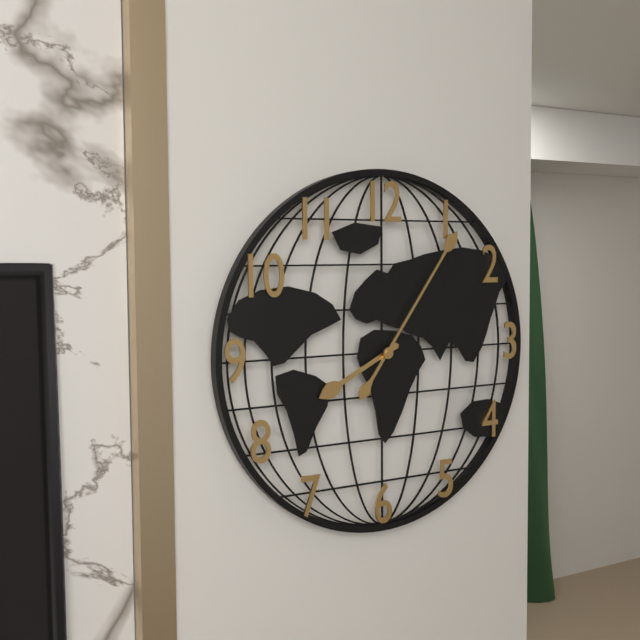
8:06
